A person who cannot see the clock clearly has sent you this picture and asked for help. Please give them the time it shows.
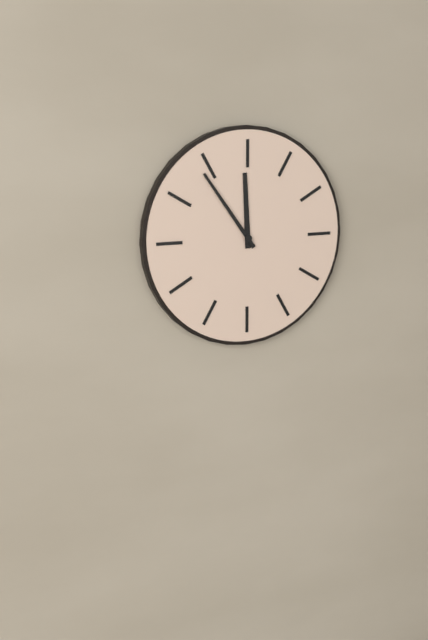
11:54
